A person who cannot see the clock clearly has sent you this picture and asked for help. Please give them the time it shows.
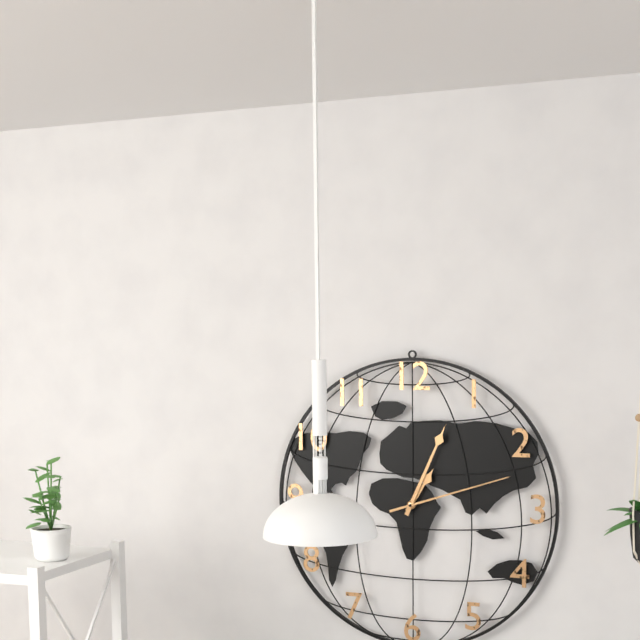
1:04:12
